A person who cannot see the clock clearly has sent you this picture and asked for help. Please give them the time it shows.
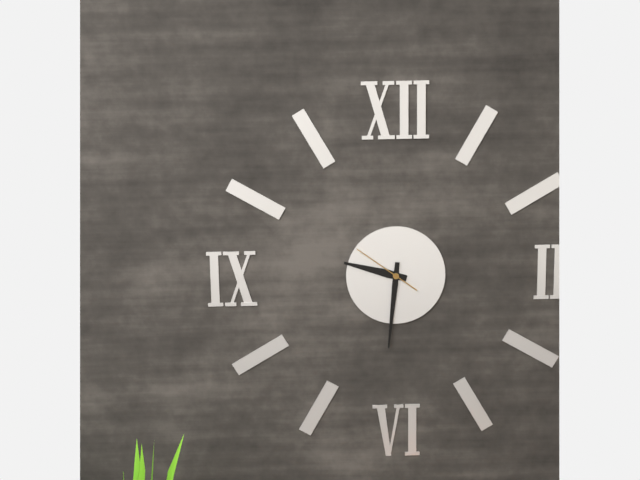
9:31:51
